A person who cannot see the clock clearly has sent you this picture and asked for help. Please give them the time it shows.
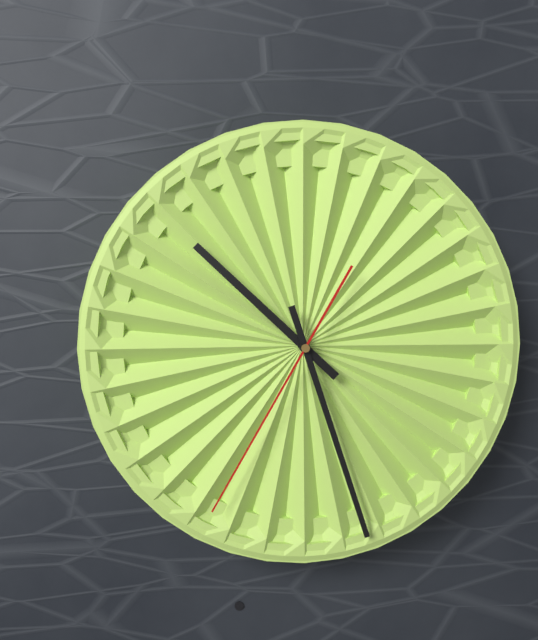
10:27:35
